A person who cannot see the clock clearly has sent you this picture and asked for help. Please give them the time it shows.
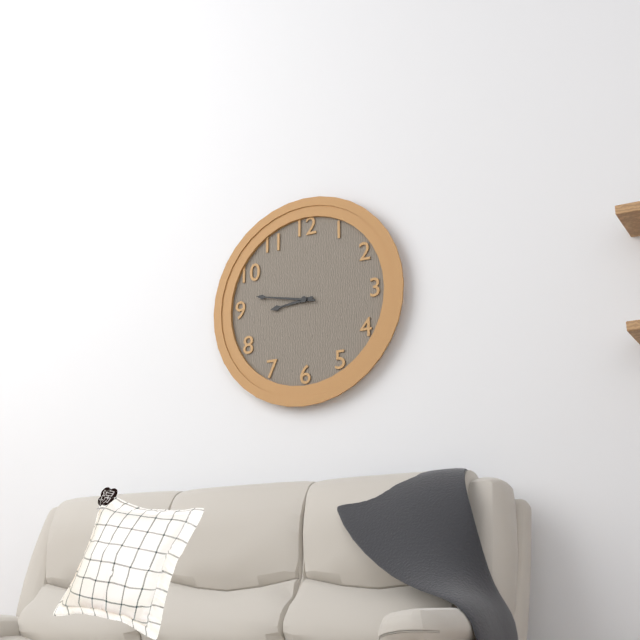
8:47
